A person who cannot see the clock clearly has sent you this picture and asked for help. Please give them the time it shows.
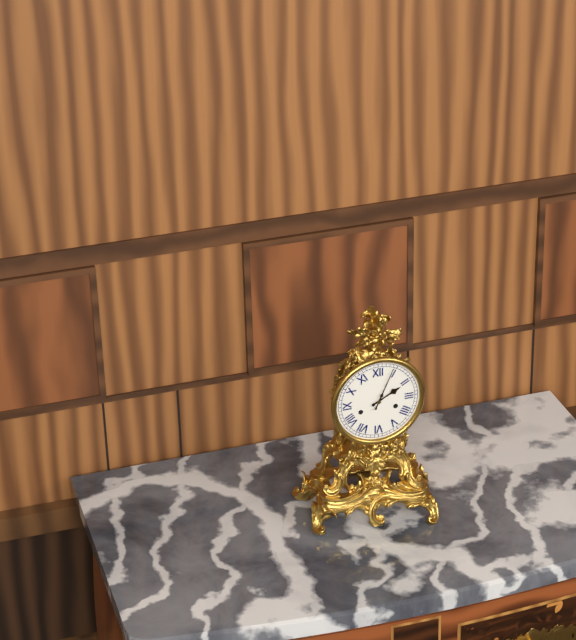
2:04
